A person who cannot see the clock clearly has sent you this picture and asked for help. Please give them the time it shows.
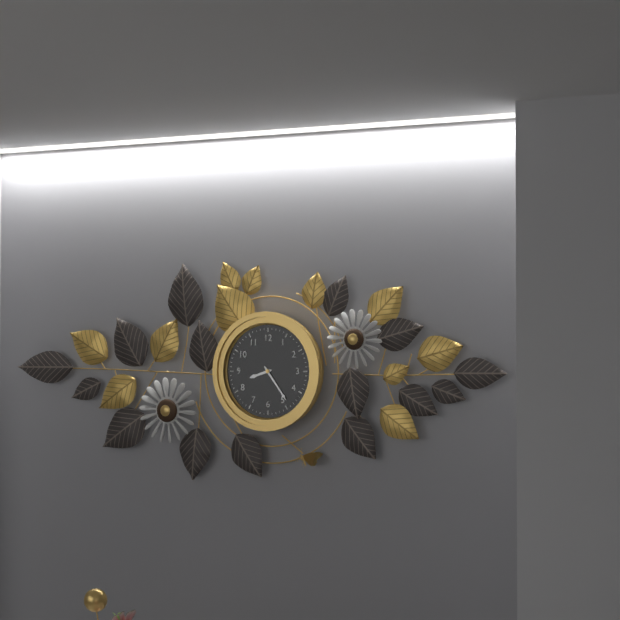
8:24
